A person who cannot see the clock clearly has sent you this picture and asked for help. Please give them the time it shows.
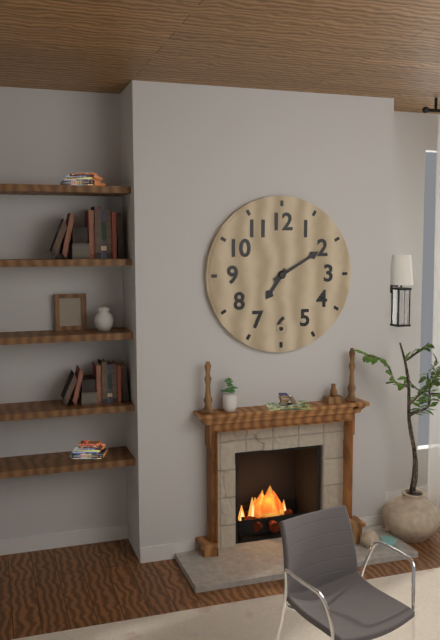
7:10
